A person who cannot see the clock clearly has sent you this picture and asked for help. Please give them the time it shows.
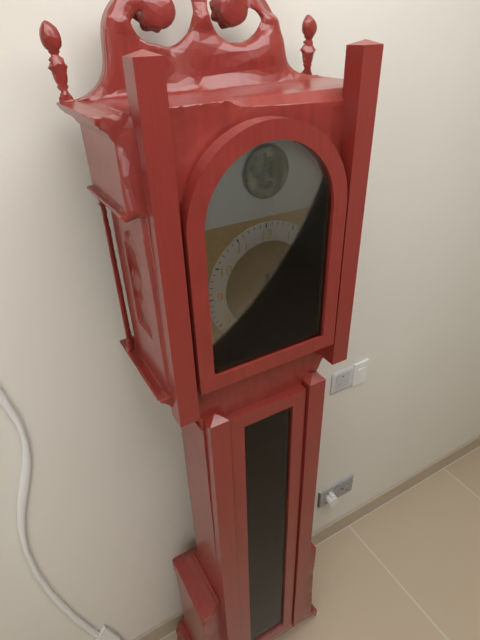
1:30
